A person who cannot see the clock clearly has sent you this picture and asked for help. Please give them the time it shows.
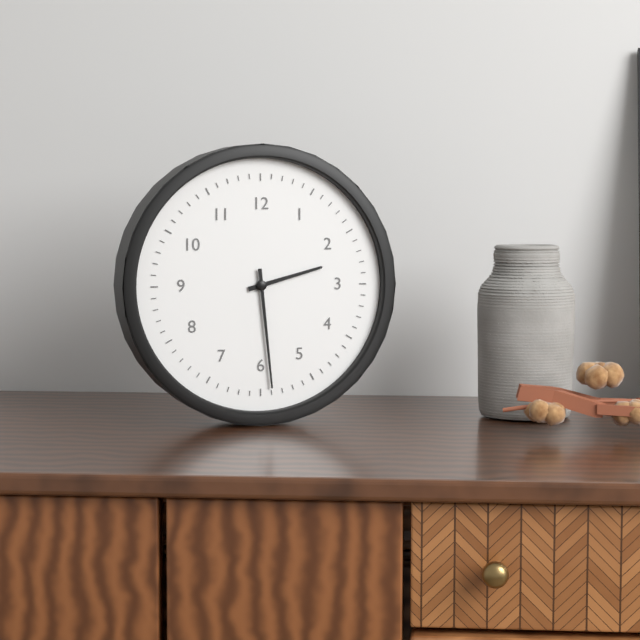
2:29
